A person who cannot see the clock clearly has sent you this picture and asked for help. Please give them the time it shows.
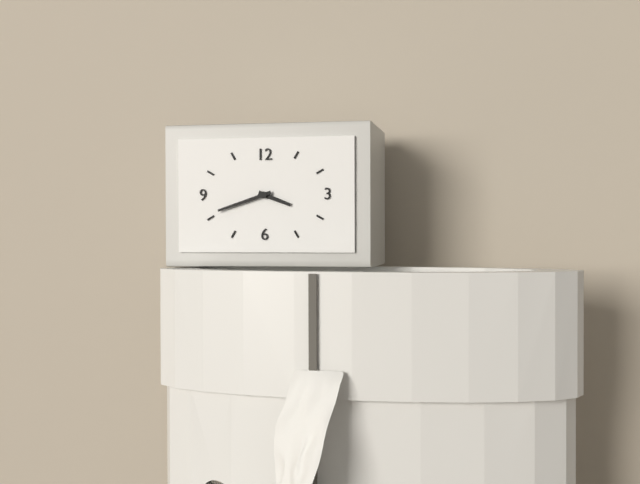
3:42
